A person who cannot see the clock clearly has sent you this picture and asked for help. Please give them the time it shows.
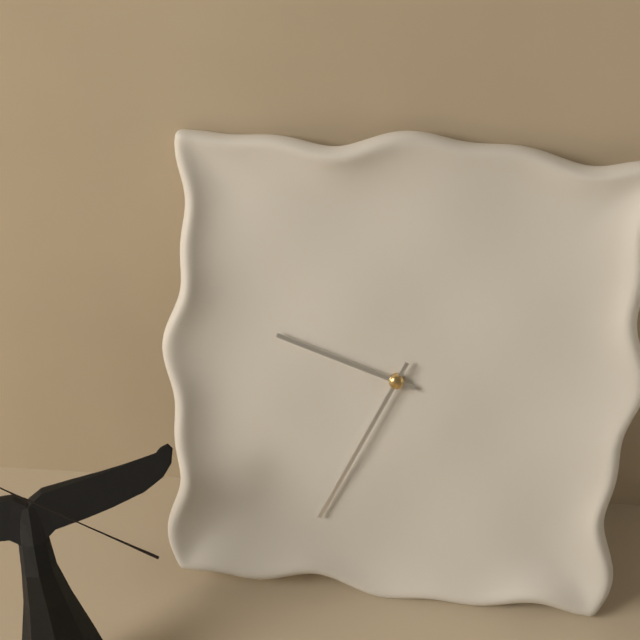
9:34
